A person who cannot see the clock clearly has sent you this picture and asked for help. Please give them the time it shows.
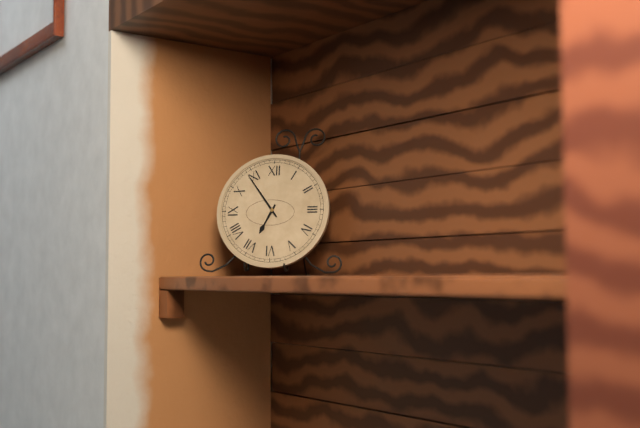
6:54
